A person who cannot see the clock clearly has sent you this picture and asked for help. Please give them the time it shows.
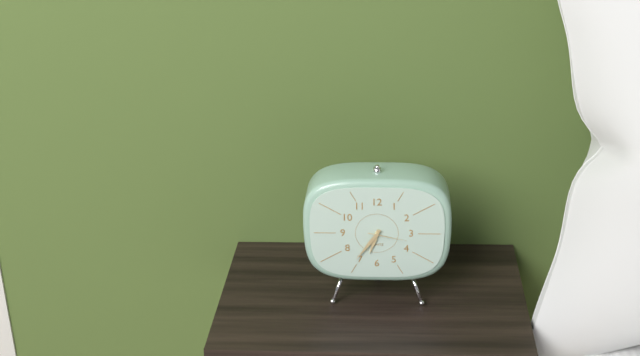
6:36
